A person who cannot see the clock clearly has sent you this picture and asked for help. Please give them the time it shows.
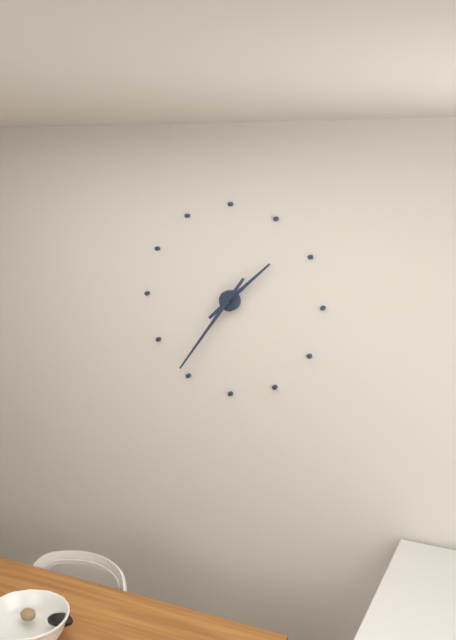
1:36
